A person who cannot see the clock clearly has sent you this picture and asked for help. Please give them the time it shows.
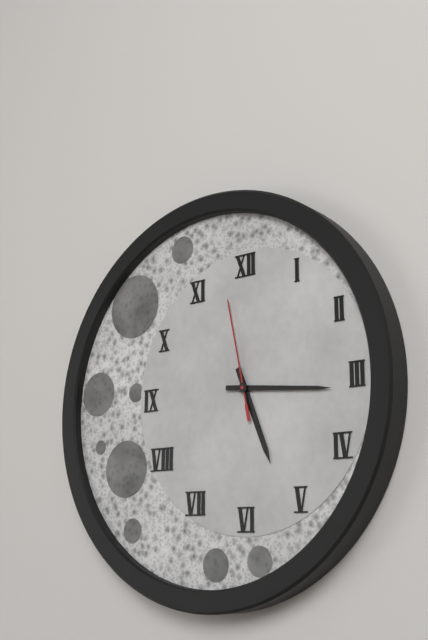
5:16:58
